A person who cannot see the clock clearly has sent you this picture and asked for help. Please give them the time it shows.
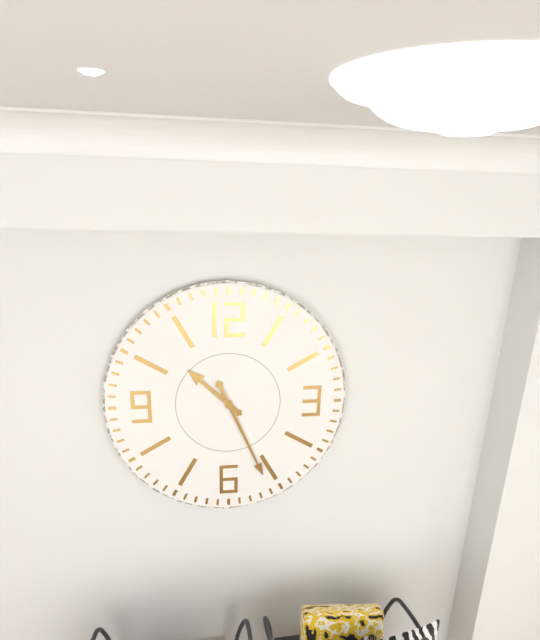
10:26
